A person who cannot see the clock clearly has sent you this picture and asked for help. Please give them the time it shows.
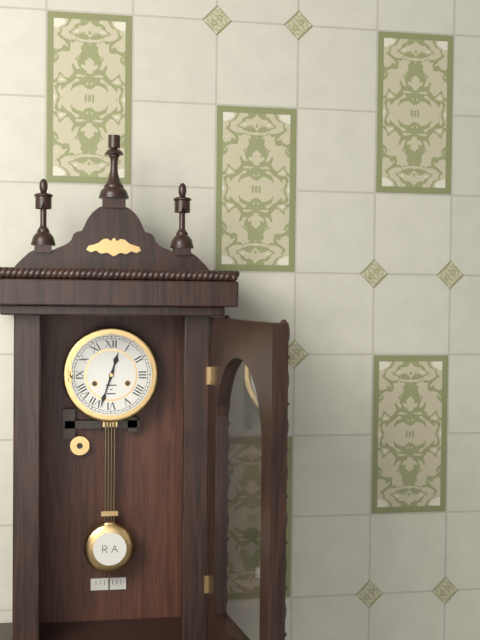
12:33
